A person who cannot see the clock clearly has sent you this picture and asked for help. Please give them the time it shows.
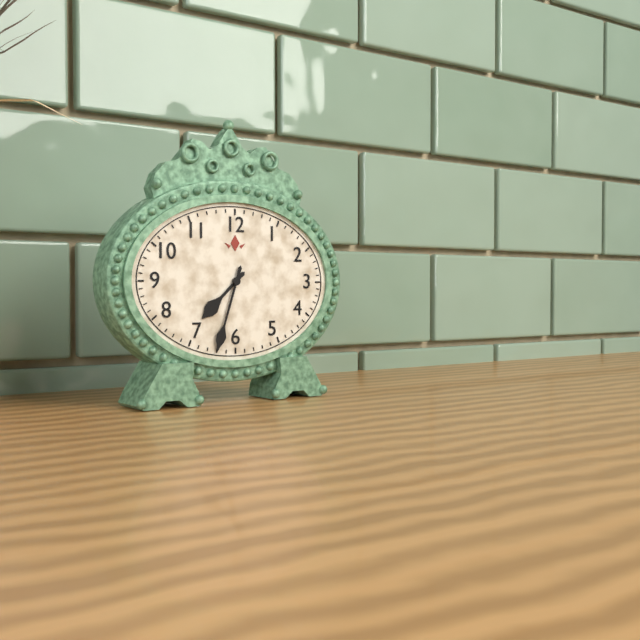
7:33
